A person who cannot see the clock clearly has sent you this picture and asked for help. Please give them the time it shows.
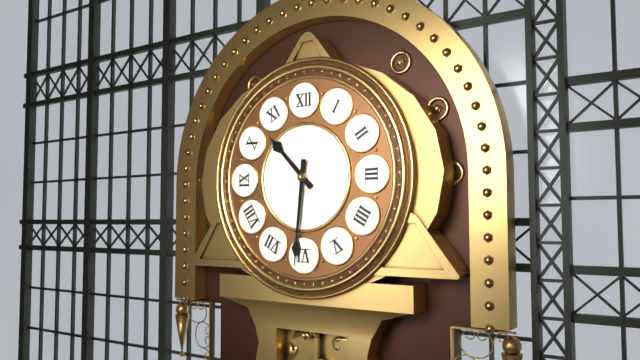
10:31
